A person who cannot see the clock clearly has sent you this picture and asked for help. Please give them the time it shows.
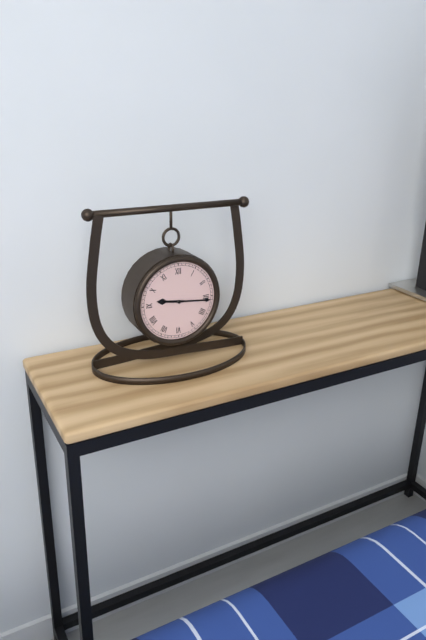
9:16
